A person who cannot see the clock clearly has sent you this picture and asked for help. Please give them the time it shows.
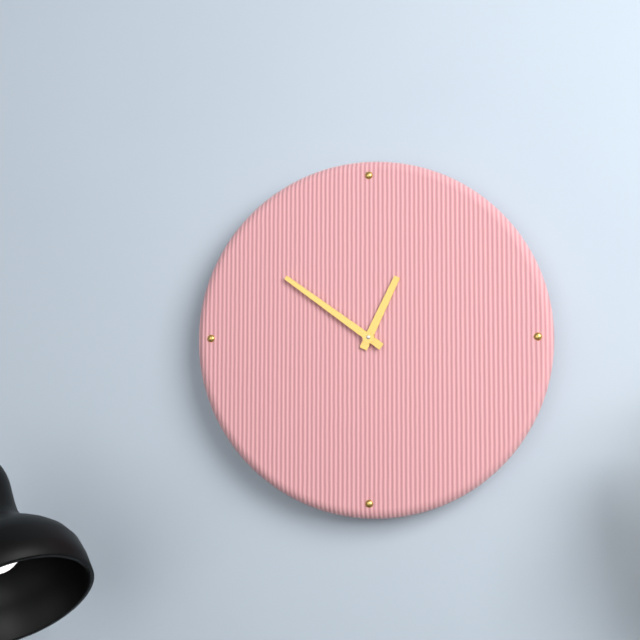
12:51
